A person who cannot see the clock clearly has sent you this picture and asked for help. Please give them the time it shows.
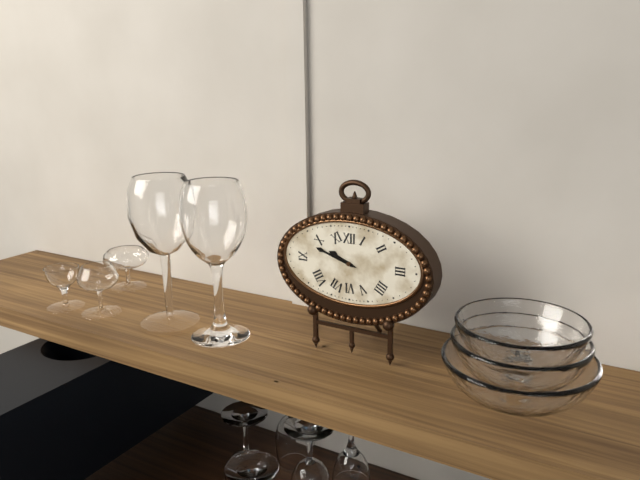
9:48
